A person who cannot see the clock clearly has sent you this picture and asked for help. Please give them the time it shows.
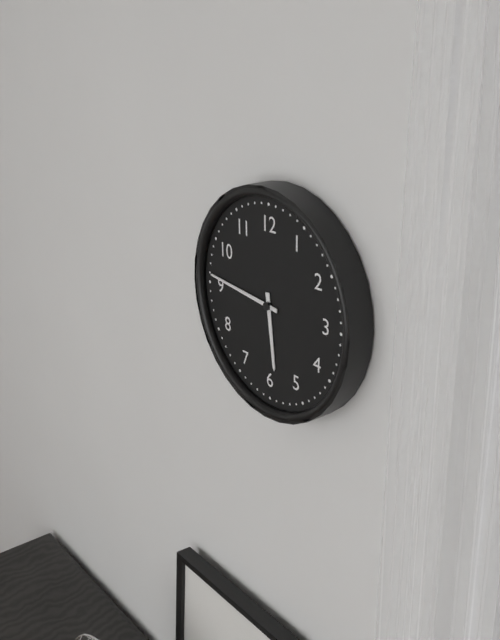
5:46
